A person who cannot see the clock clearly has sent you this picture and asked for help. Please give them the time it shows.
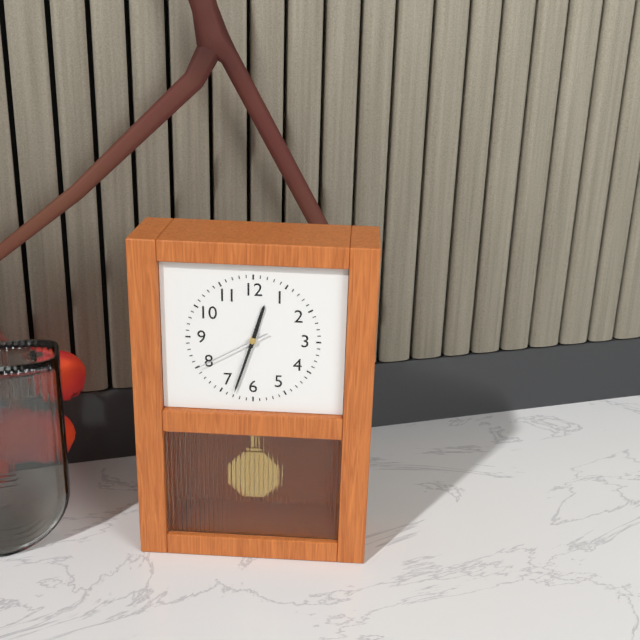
12:33:40
